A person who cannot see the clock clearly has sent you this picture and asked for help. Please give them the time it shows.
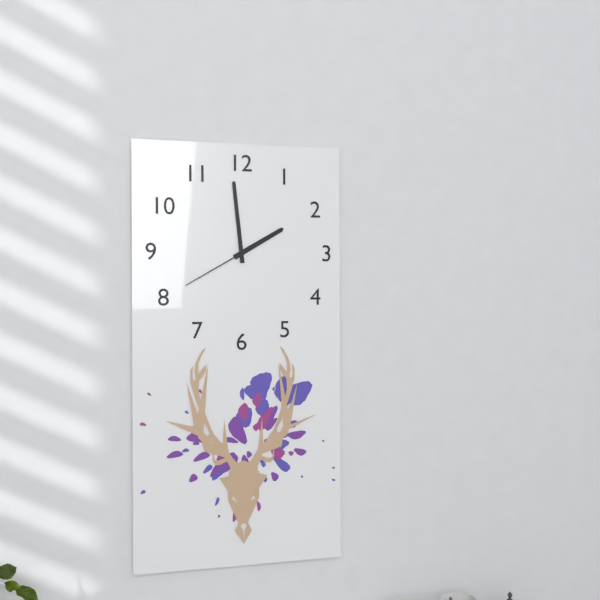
1:59:40
